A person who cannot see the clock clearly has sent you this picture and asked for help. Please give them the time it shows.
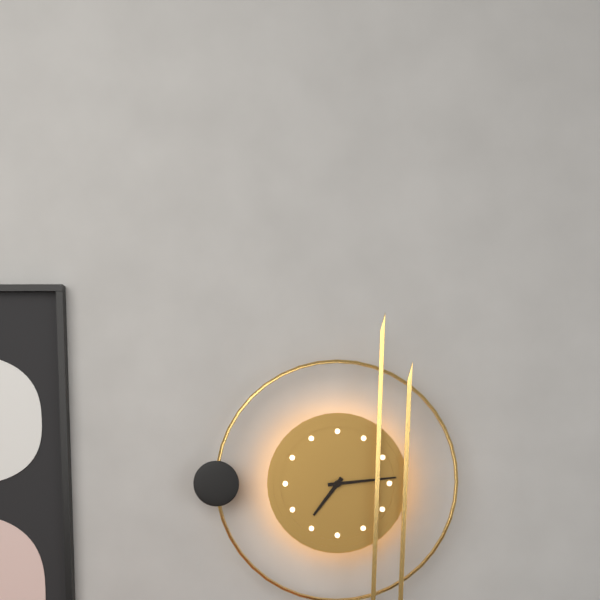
7:14
